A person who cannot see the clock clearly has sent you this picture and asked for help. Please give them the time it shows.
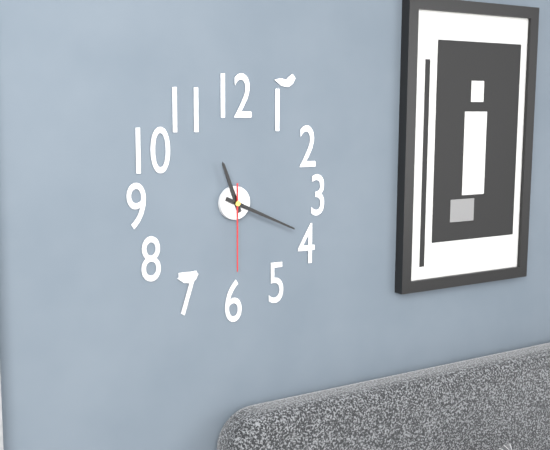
11:19:30
